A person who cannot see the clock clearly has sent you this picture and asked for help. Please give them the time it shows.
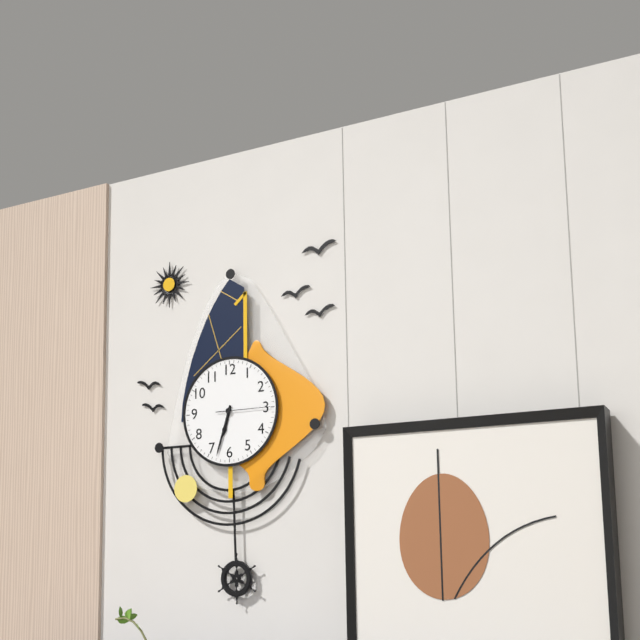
6:33:15
